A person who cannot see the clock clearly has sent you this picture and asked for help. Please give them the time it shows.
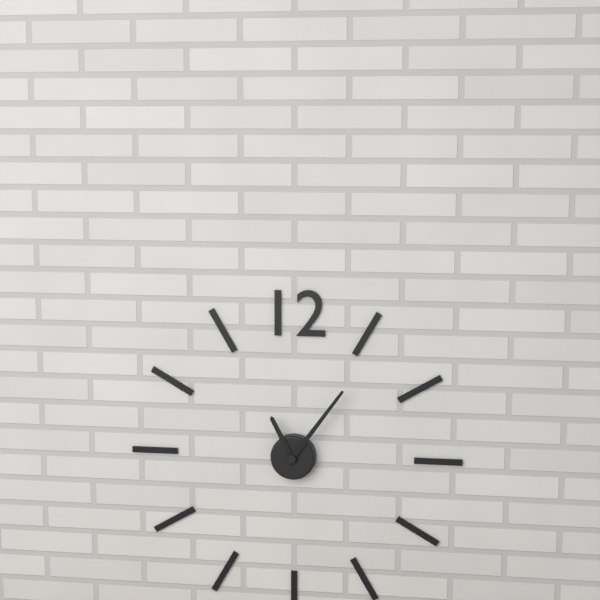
11:06
